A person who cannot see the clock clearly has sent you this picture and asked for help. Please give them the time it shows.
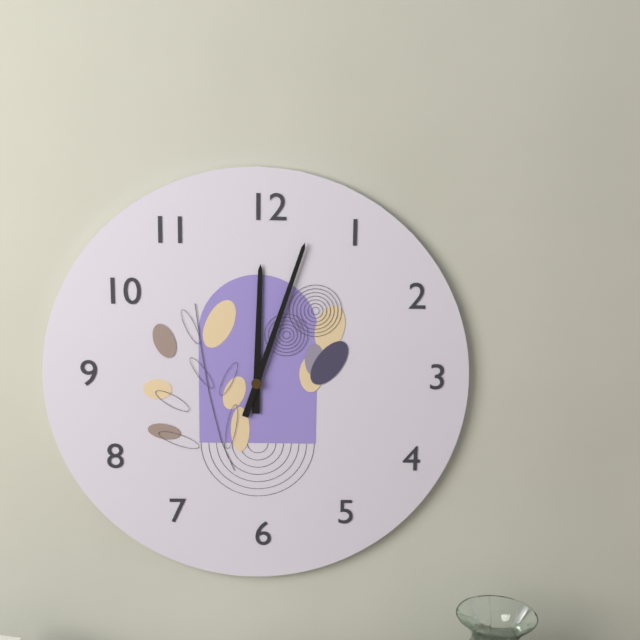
12:03
